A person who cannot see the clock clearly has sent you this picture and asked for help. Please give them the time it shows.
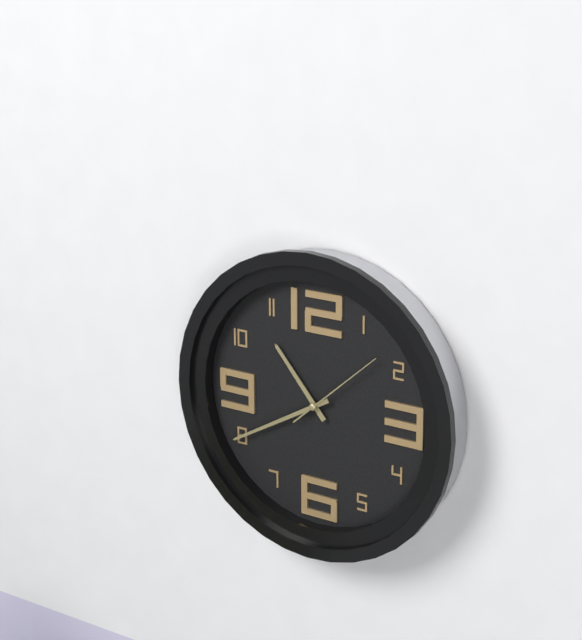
10:40:08
